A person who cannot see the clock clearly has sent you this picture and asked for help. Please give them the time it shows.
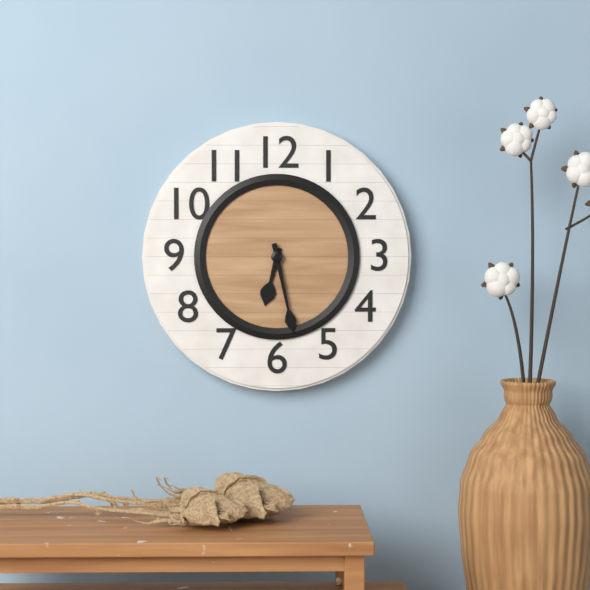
6:28
